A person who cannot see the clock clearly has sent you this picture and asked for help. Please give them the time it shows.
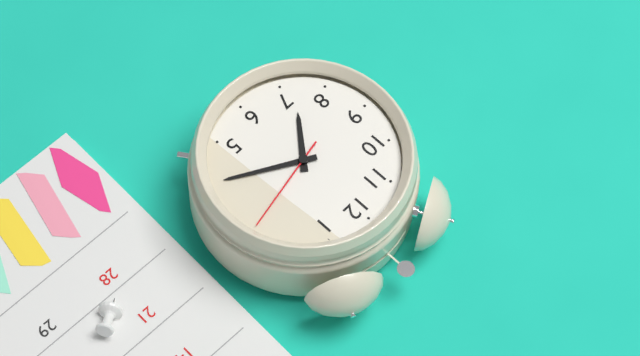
7:20:13
